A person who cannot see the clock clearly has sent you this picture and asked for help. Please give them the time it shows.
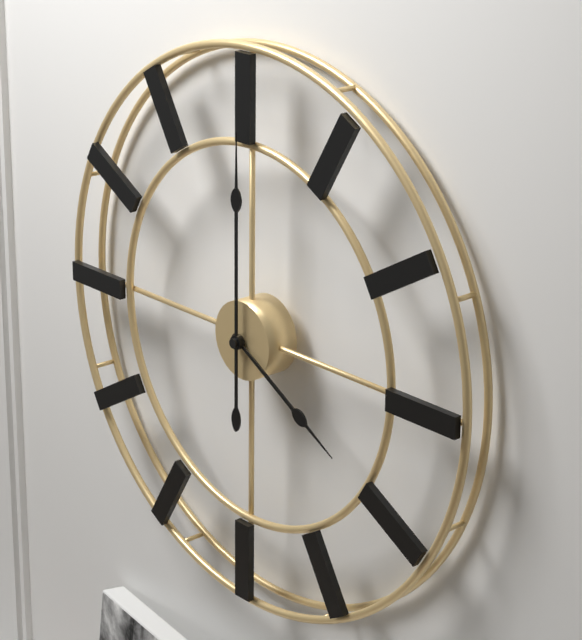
4:00
